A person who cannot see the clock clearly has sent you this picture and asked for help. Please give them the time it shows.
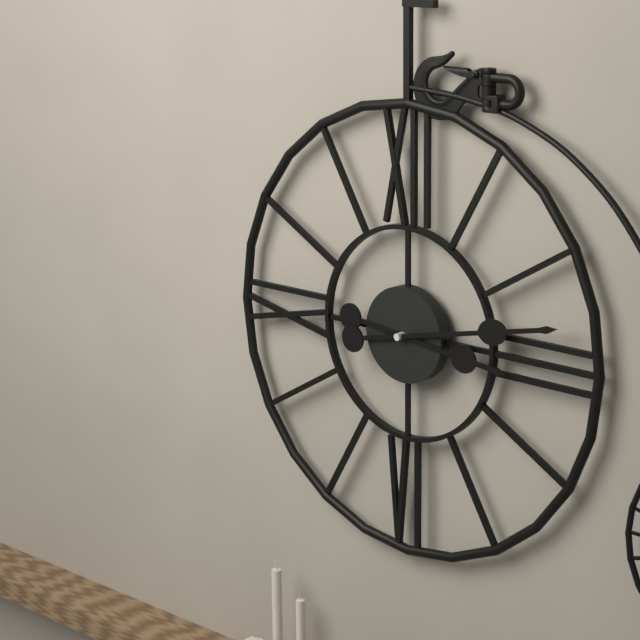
3:13
